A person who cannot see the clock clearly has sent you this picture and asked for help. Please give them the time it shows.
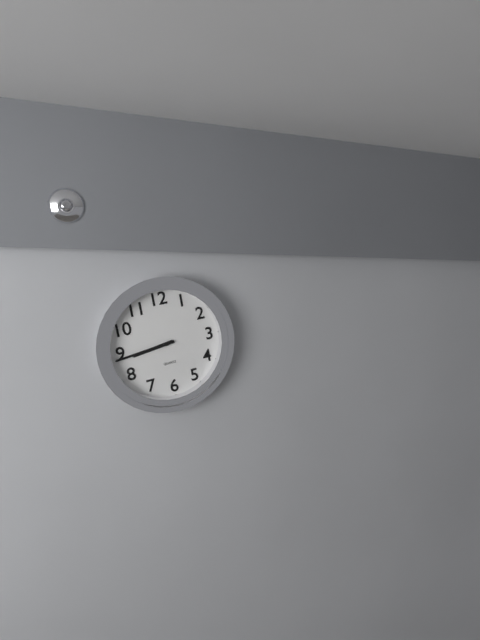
8:44
